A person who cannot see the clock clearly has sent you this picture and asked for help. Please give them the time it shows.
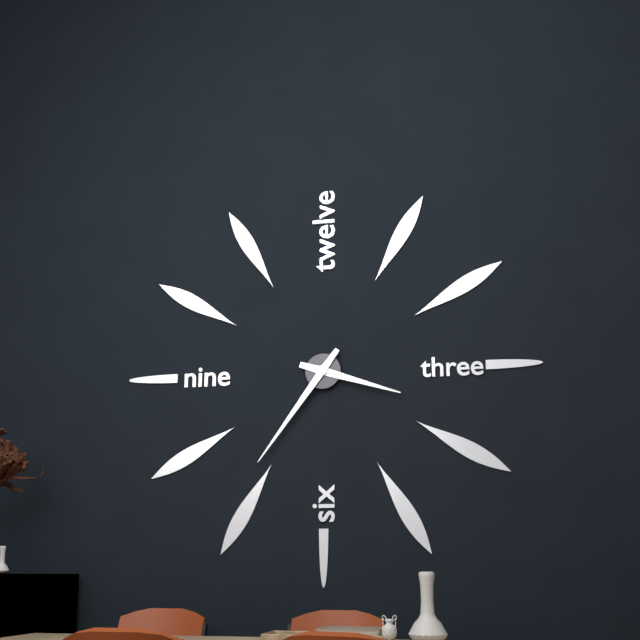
3:36
